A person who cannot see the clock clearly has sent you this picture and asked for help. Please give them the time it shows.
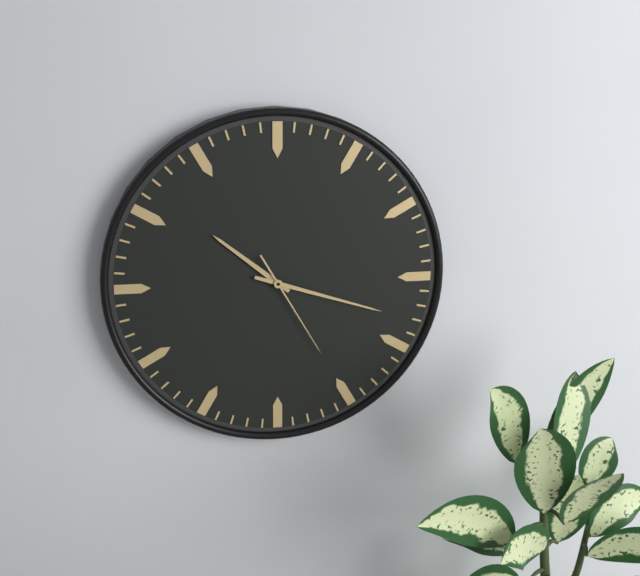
10:18:25
